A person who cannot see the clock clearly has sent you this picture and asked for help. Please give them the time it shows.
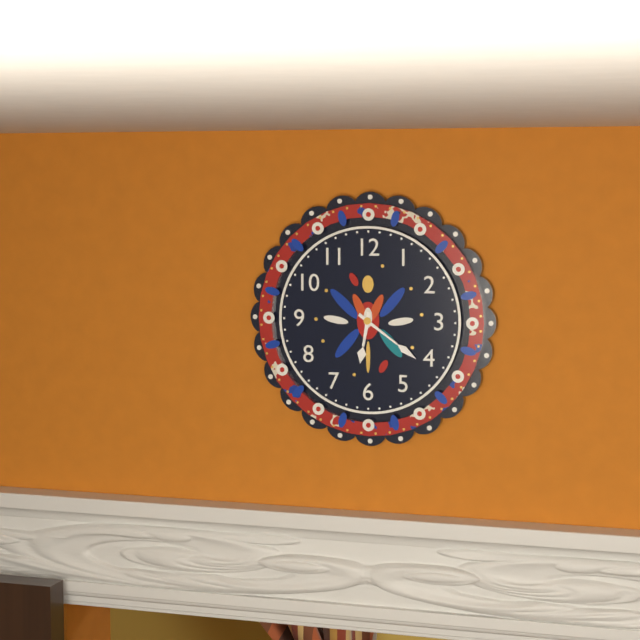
6:21
